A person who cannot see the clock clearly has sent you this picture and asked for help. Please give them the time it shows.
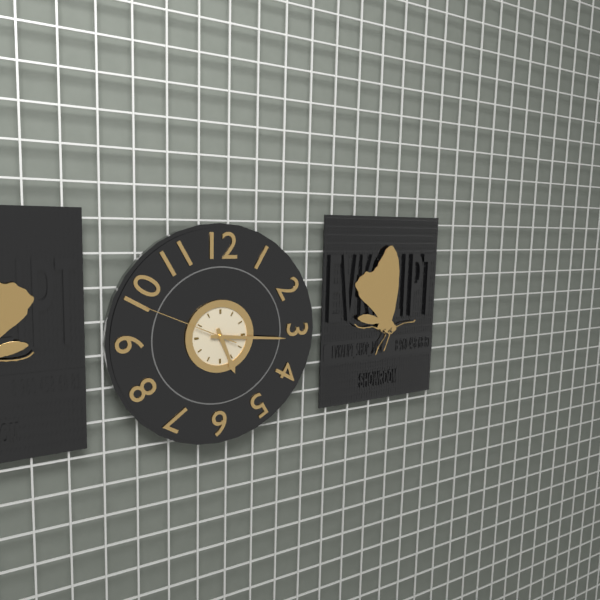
5:16:49
